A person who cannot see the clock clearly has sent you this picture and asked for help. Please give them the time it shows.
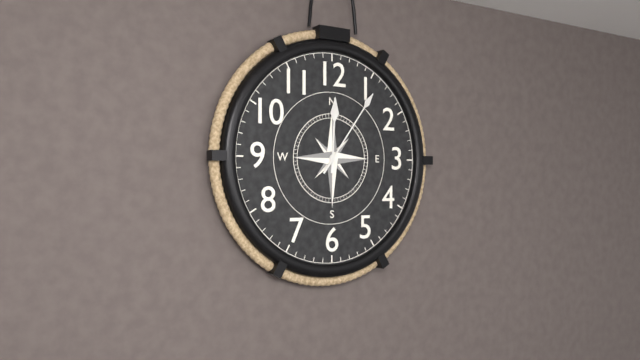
12:06
